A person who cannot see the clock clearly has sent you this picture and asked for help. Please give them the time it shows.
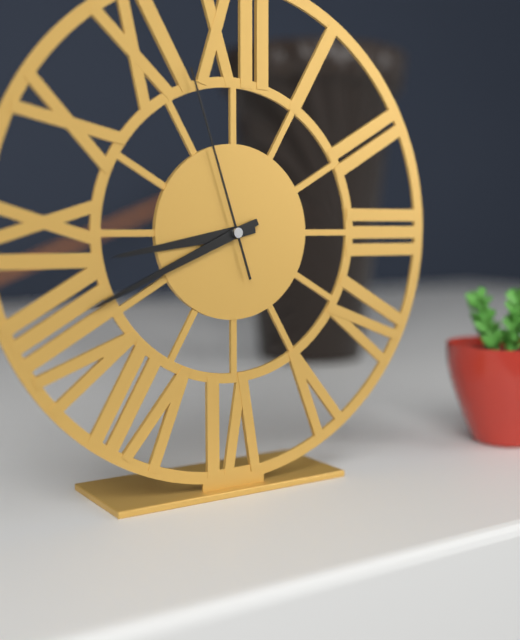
8:41:57
